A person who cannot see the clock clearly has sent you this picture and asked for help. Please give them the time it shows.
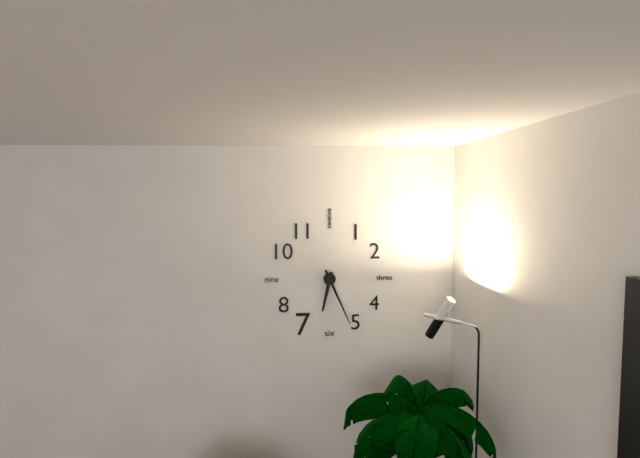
6:26
